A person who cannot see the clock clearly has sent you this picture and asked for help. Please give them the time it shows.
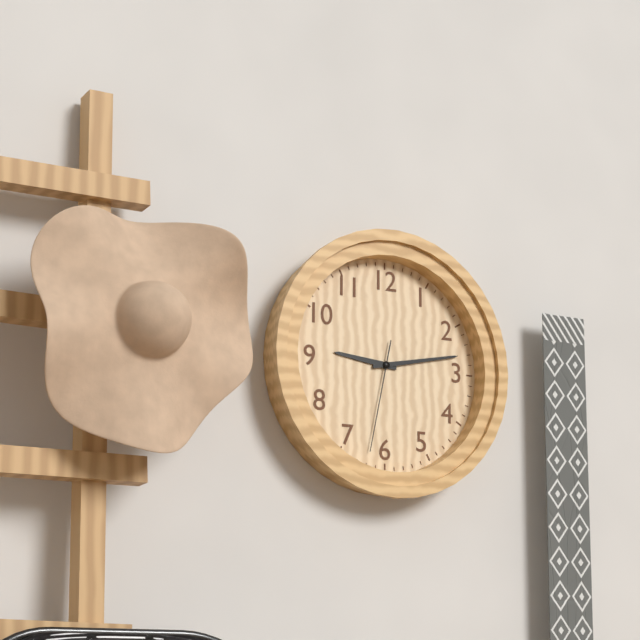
9:13:32
